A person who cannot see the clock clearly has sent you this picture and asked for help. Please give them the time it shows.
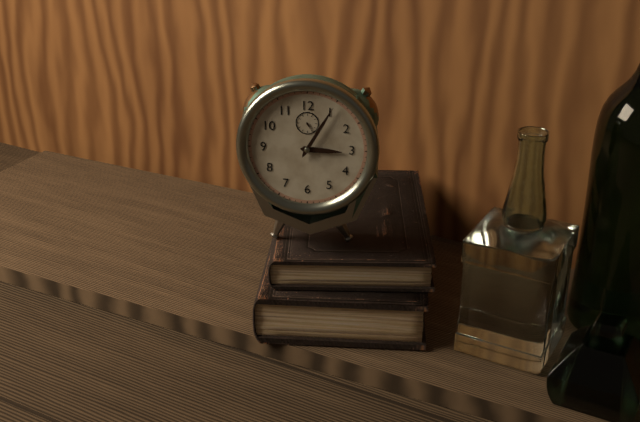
3:05
